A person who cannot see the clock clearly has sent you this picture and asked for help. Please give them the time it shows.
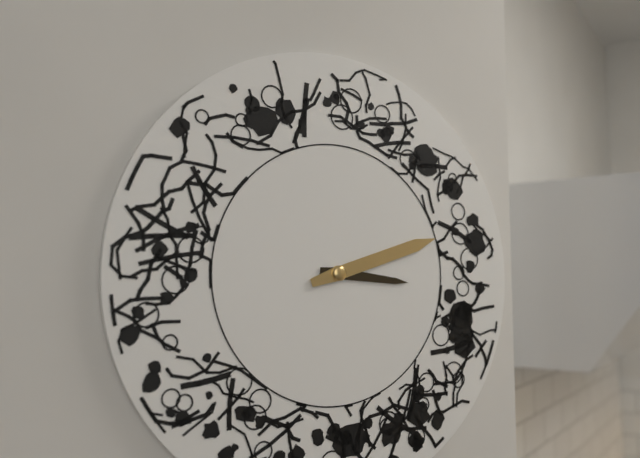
3:12
